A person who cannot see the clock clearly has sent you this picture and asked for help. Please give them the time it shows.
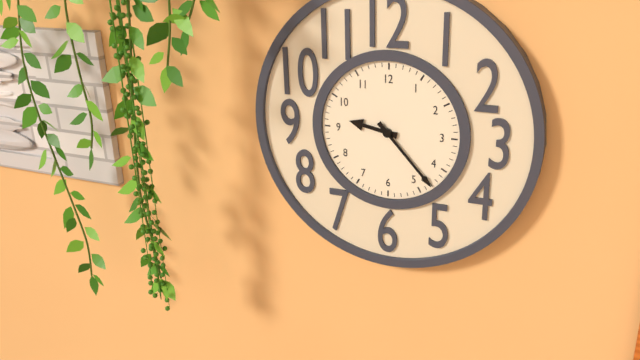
9:23
